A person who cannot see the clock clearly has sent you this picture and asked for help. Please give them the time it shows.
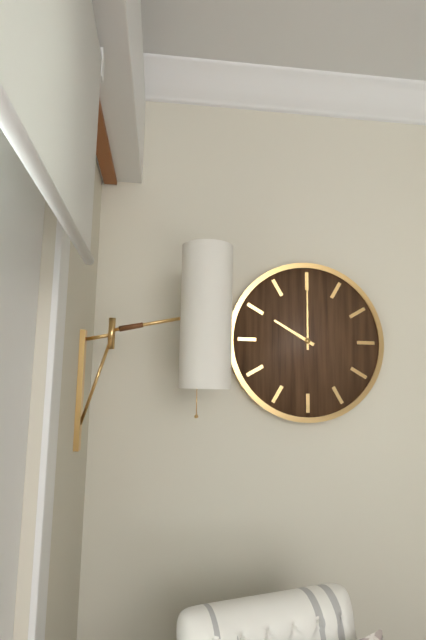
10:00
